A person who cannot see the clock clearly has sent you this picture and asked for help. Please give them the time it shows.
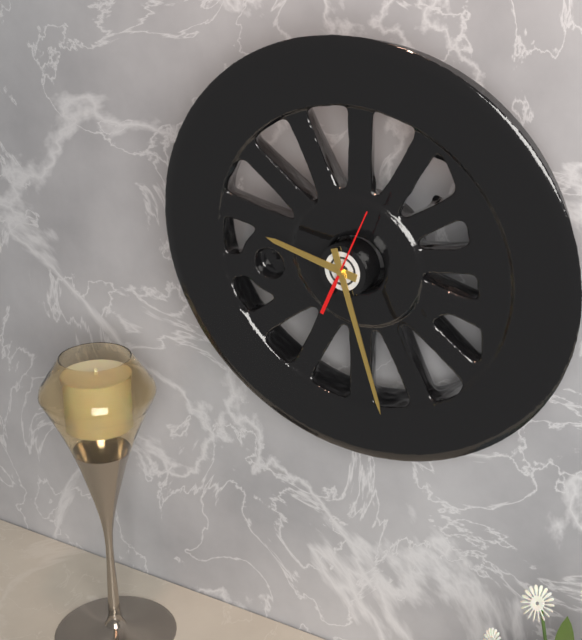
9:27:04
